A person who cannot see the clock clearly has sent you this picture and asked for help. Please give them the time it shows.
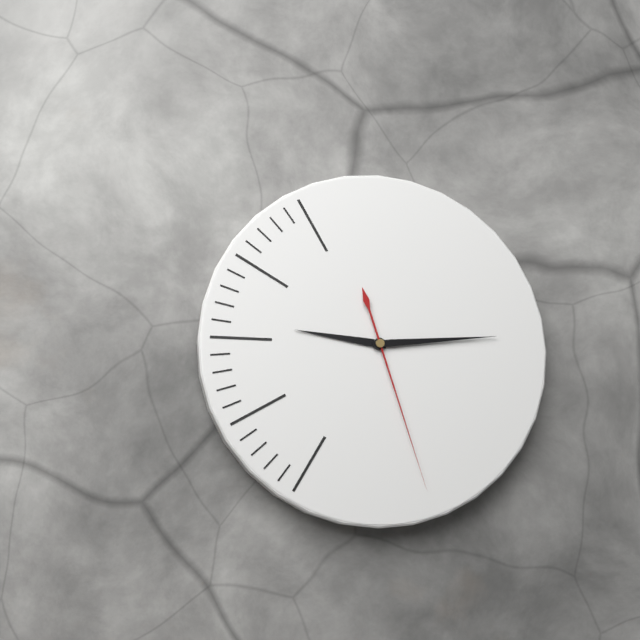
9:14:27
